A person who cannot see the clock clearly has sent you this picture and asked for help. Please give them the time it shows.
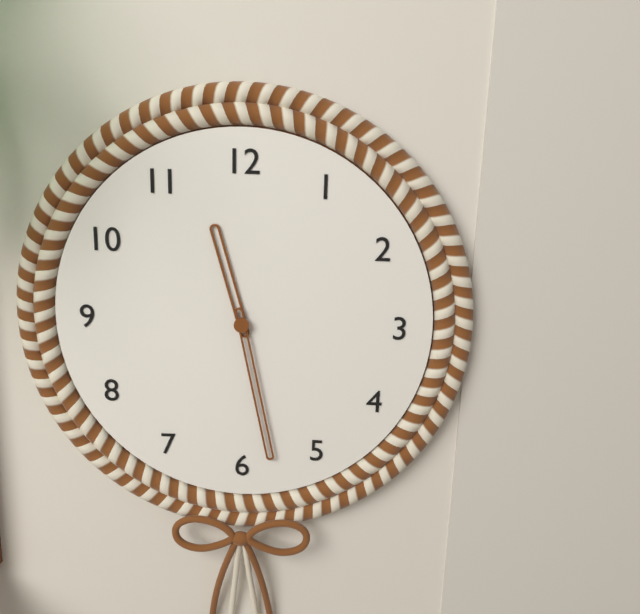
11:28
